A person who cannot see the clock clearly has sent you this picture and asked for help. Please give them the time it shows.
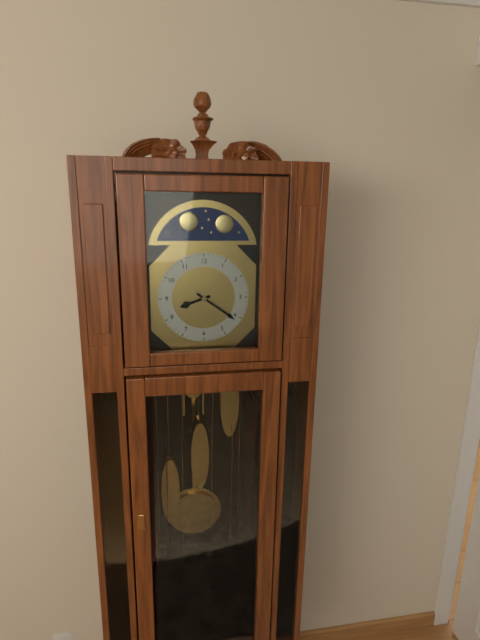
8:21
